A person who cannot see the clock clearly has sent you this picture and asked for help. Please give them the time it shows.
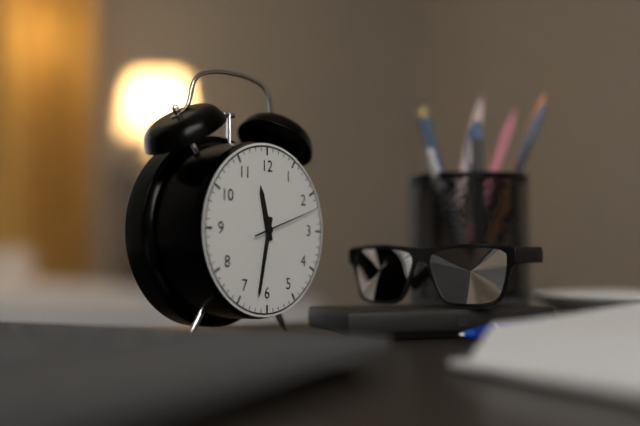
11:32:12
